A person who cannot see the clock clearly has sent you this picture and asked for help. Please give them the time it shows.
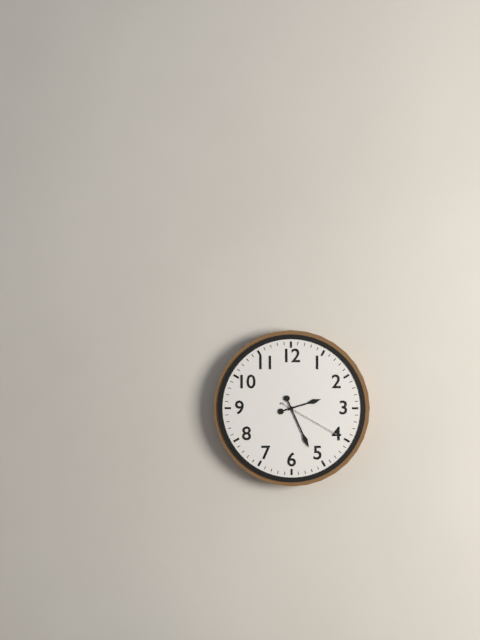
2:26:20
